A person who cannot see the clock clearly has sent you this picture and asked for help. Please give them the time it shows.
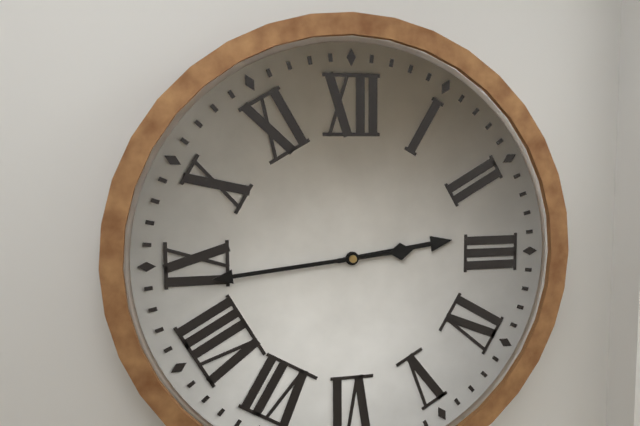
2:44
